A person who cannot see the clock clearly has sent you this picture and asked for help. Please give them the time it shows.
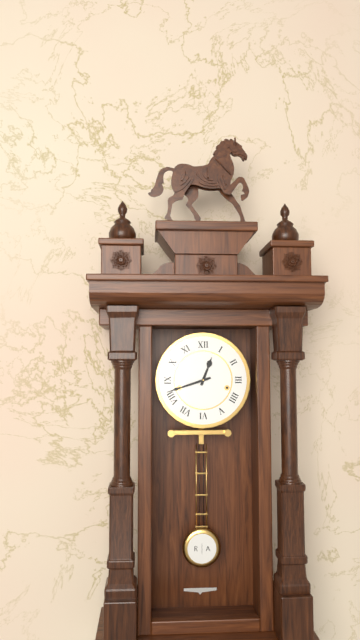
12:42
